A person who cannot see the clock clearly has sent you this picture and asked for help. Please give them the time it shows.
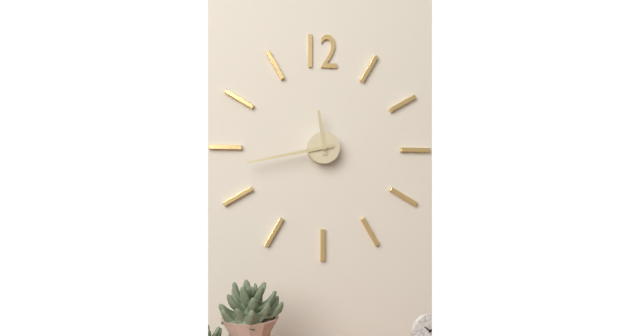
11:43
